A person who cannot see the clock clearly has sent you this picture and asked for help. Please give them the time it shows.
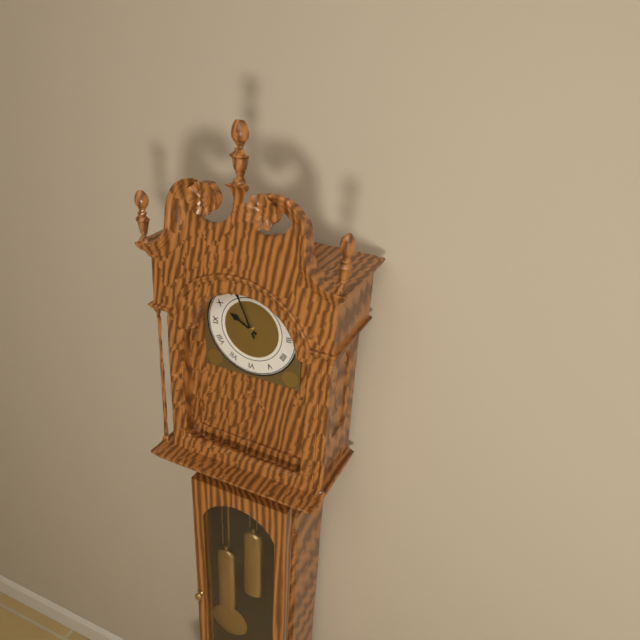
9:56
